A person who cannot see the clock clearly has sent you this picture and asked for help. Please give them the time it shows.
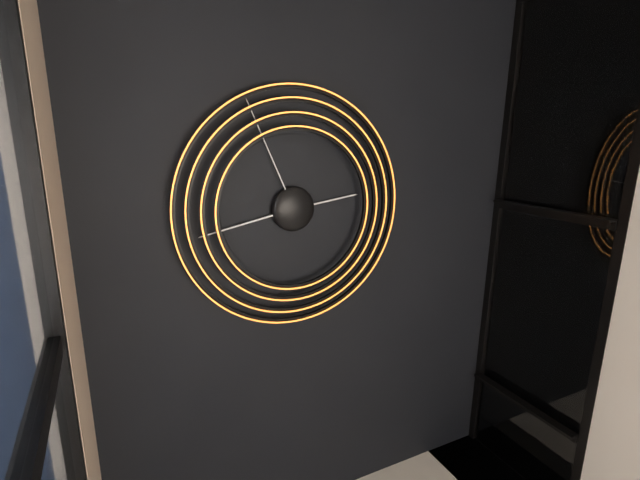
2:43:56
